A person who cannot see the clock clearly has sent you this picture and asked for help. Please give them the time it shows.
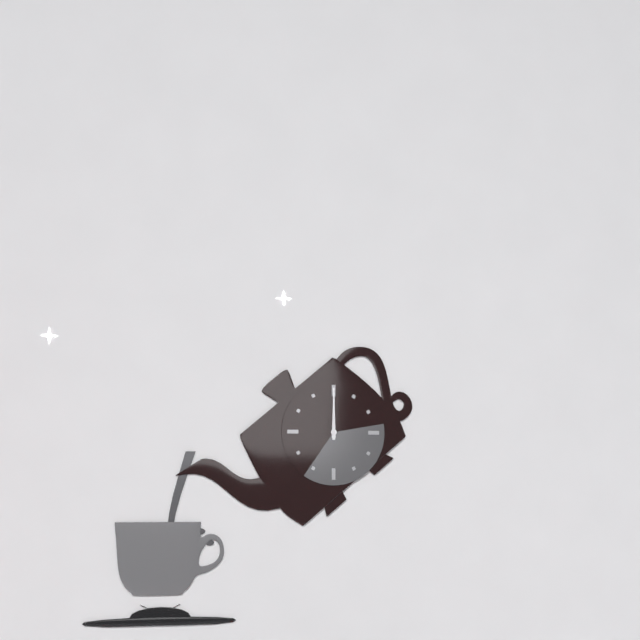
12:00
